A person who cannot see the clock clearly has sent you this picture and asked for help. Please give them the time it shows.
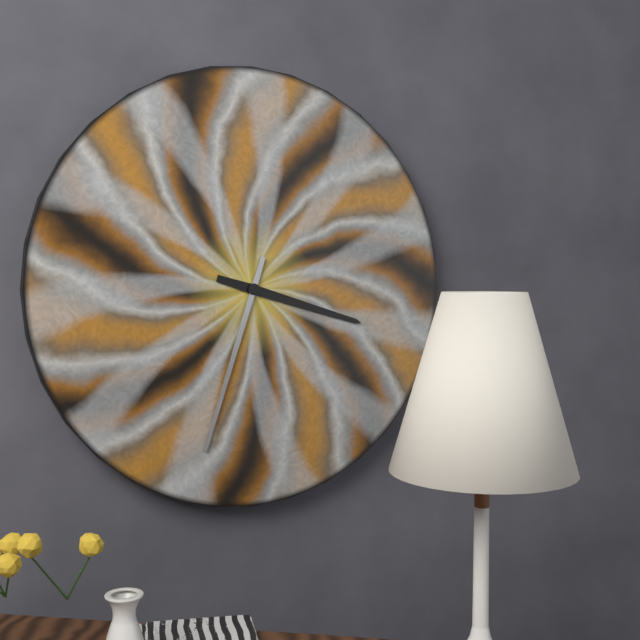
3:33
